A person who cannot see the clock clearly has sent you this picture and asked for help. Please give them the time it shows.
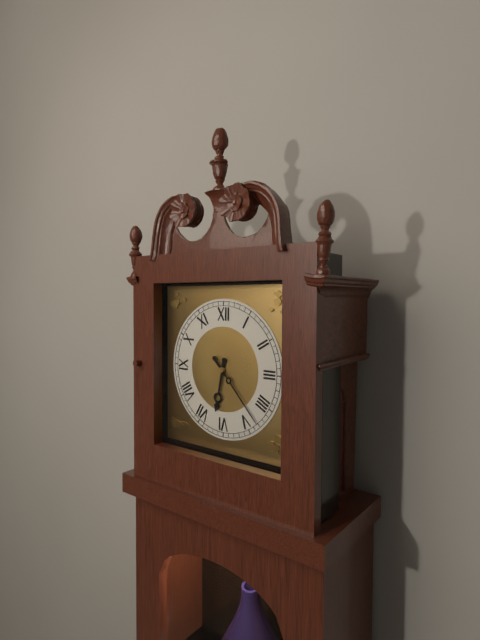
6:23
